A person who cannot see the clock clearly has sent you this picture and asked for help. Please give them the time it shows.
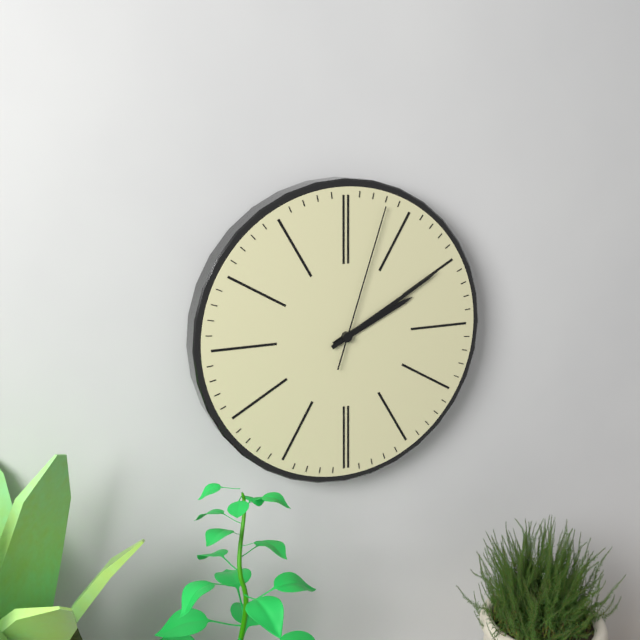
2:10:03
